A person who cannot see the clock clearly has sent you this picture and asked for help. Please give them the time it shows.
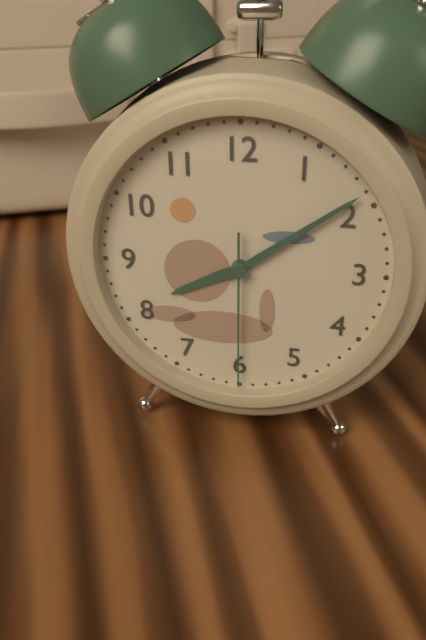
8:09:30
